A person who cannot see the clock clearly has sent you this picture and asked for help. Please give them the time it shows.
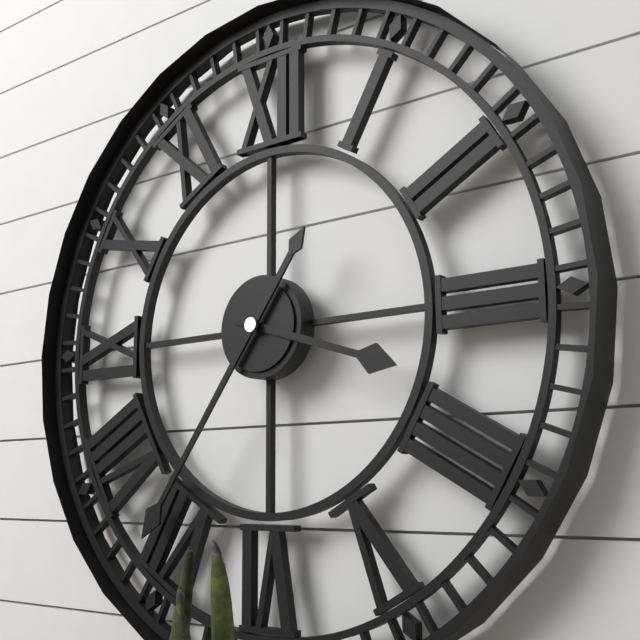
3:36
